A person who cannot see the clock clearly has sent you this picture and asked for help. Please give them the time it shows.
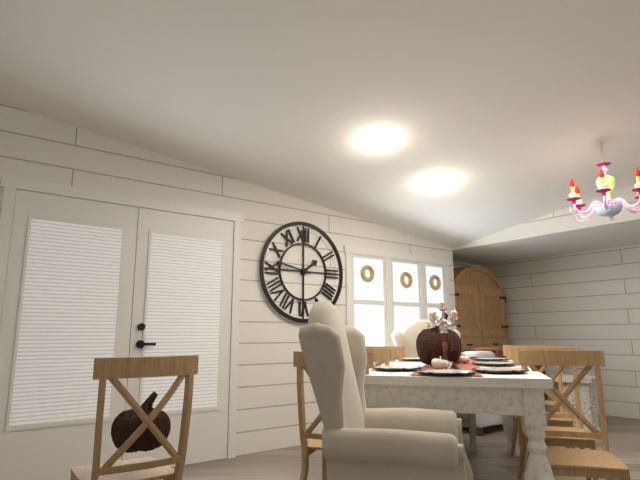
1:47
